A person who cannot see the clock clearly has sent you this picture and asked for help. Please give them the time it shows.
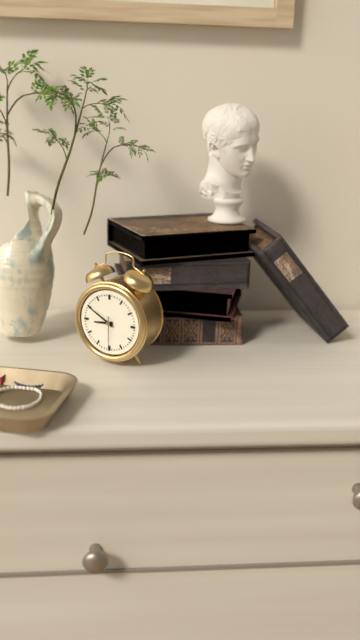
8:50
